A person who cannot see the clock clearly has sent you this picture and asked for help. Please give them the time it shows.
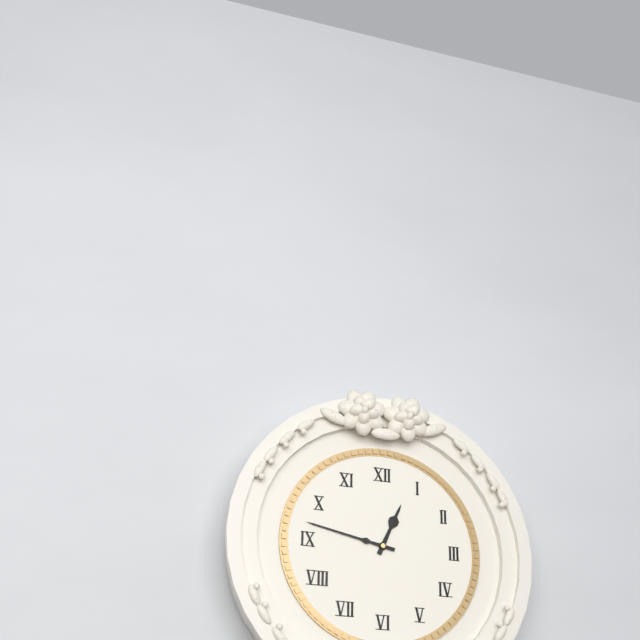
12:47
